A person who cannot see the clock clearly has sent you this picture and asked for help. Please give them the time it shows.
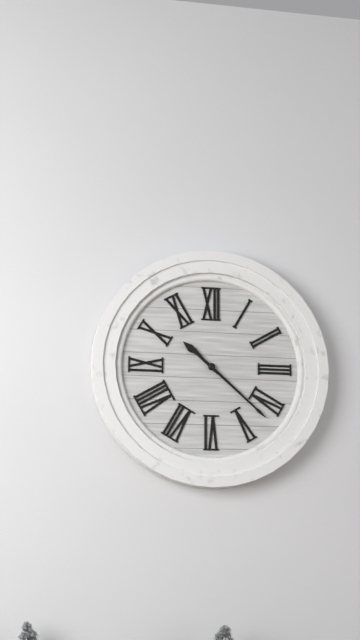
10:22
